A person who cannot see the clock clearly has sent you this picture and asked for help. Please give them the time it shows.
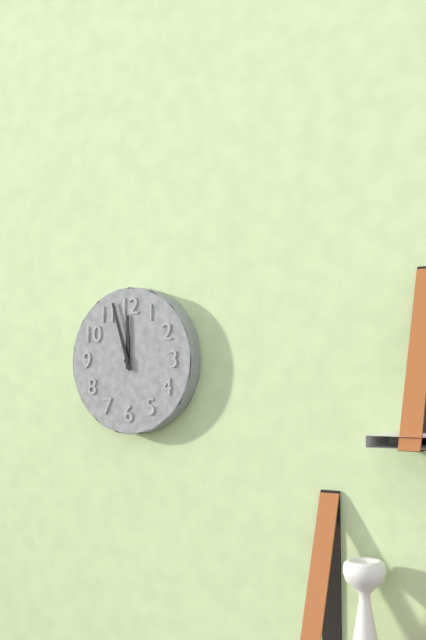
11:57
